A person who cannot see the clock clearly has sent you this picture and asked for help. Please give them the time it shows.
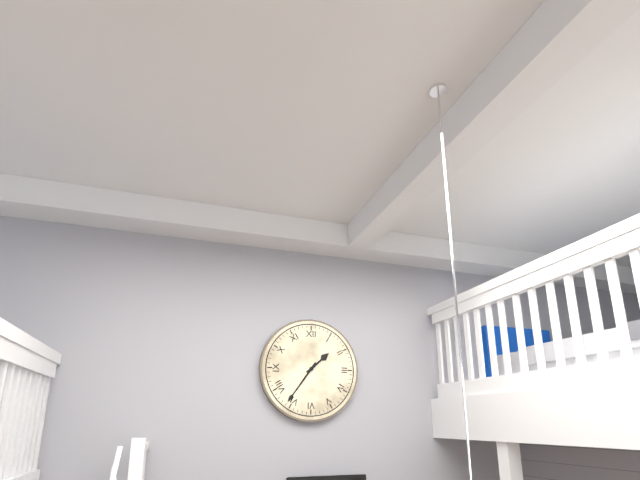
1:36
